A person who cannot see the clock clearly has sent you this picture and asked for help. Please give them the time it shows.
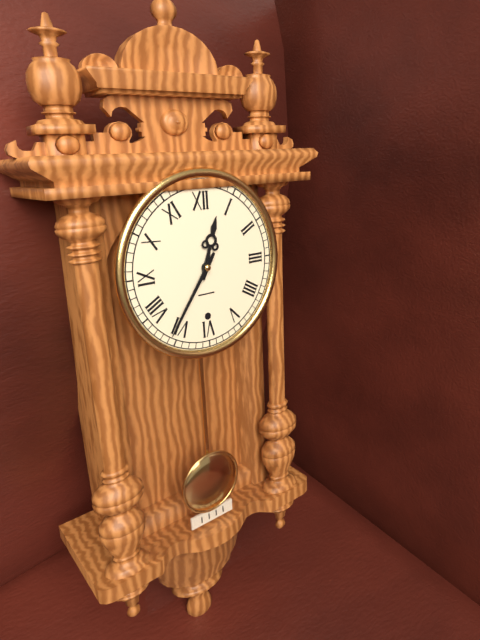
12:36
